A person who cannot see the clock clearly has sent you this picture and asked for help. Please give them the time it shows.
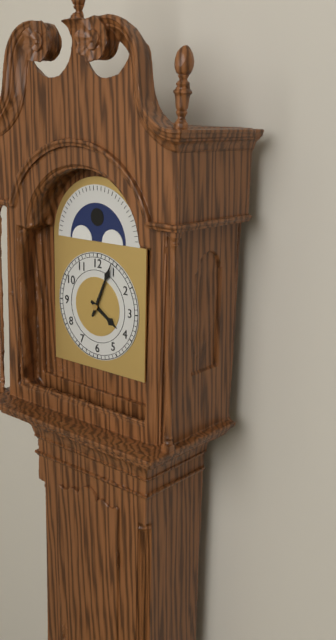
4:04
